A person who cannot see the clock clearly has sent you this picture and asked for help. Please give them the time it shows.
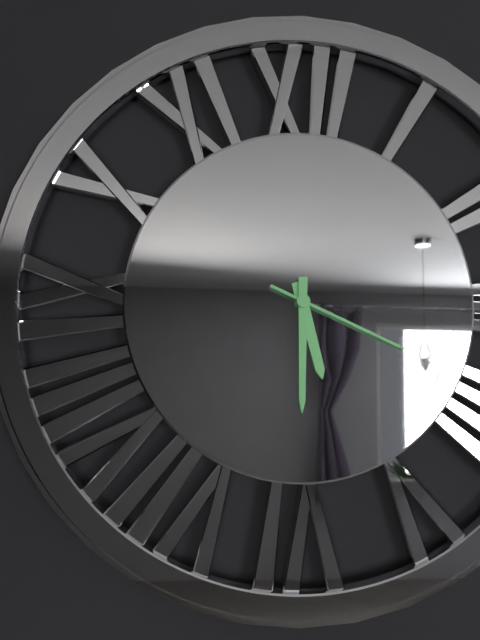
5:30:19
